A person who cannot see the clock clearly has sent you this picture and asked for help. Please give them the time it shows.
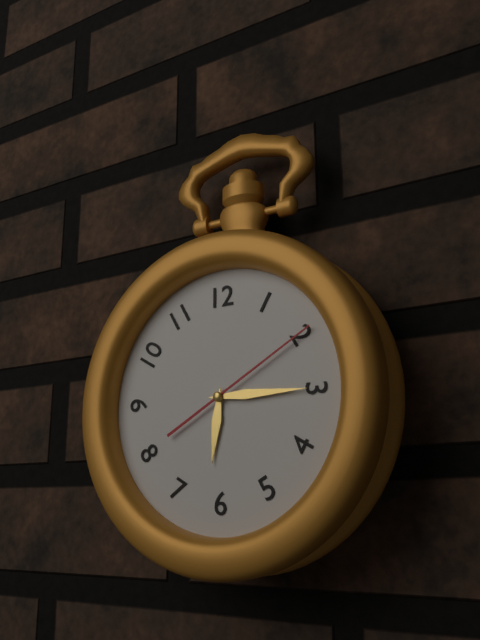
6:15:10
